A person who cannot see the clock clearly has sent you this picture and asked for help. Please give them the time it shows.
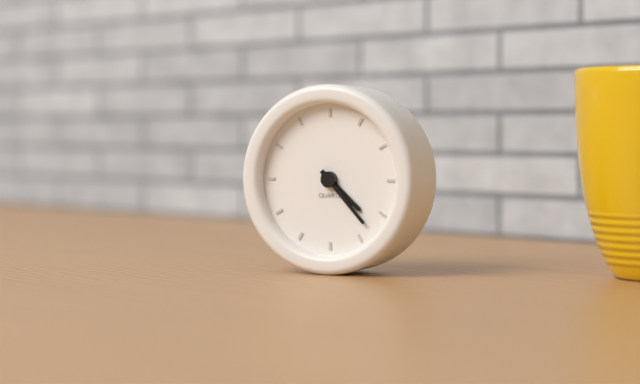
4:23
